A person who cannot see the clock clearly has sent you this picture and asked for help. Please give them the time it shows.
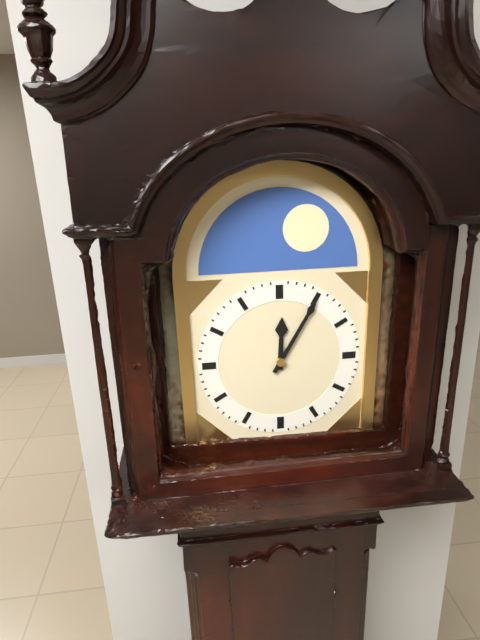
12:05
